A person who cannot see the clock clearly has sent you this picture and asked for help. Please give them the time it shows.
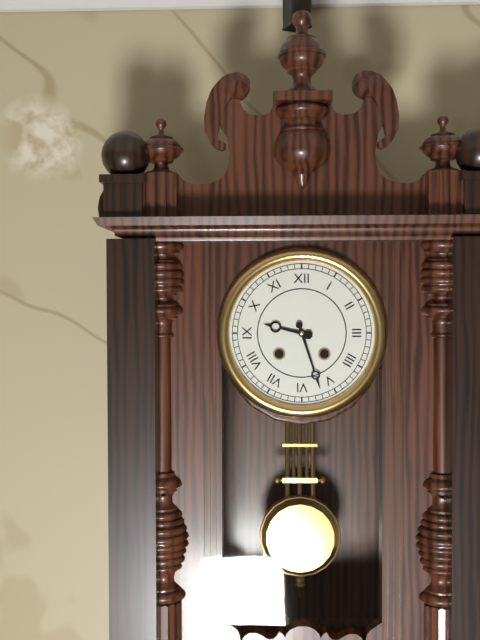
9:27
